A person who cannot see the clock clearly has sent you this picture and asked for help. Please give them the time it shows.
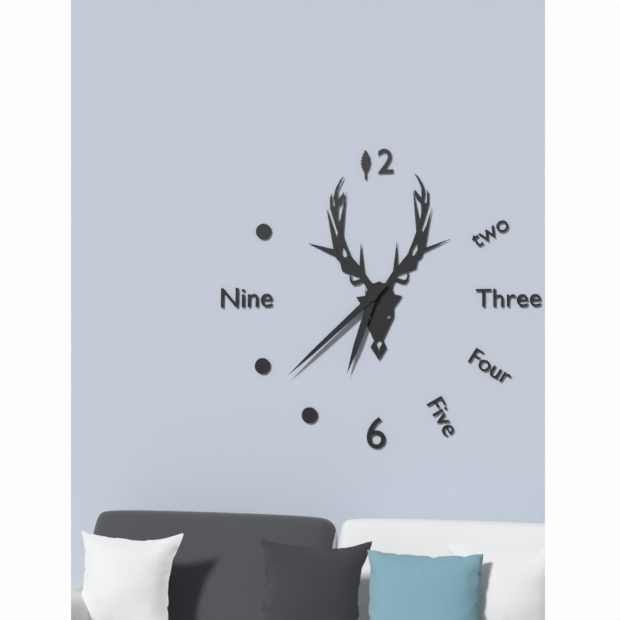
6:38
